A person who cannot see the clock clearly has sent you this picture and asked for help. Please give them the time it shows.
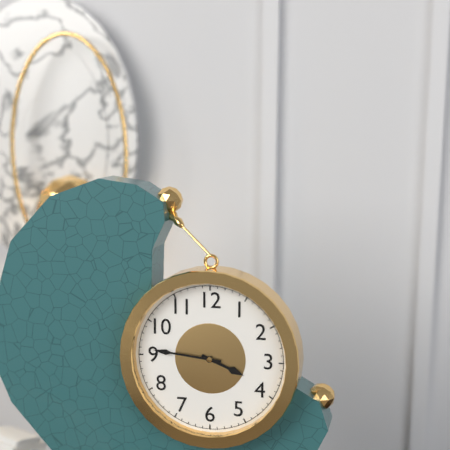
3:46
